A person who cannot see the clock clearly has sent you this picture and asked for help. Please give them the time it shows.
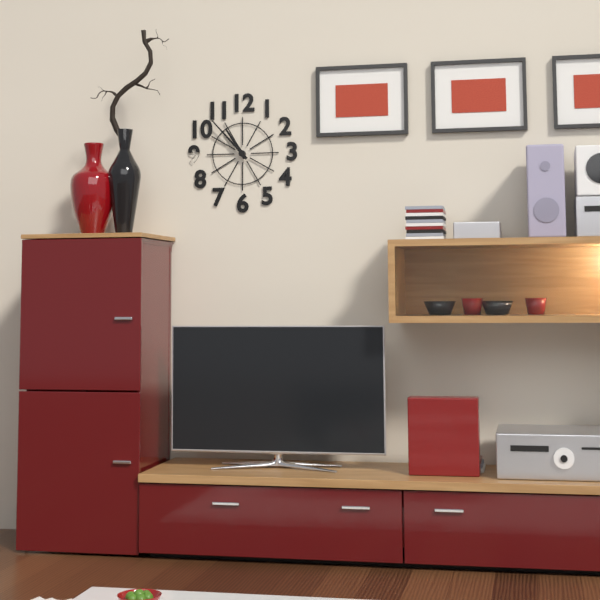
10:53
